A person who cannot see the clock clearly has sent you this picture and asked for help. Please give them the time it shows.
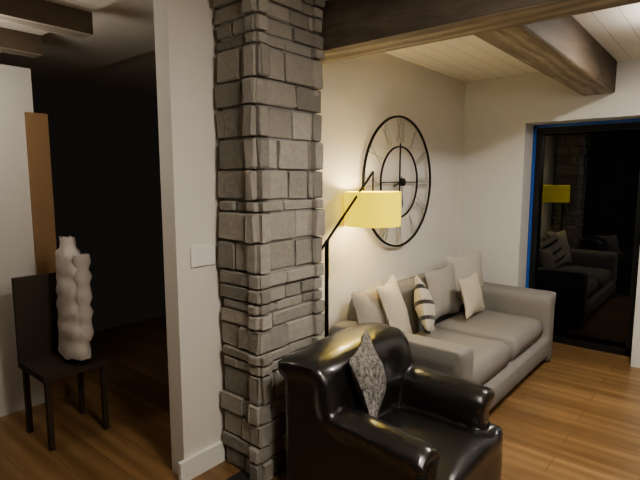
8:29
